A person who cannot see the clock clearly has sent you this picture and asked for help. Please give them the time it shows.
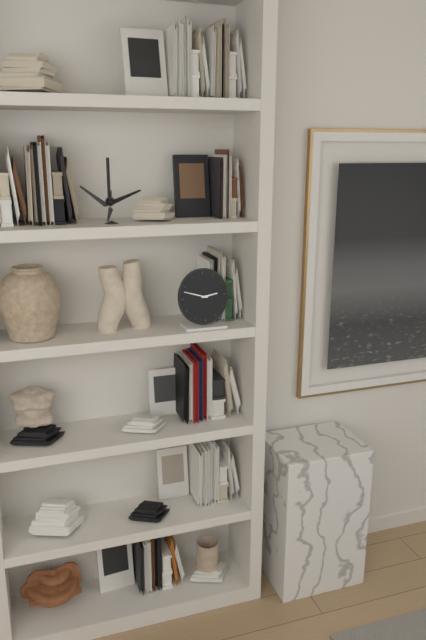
2:48
